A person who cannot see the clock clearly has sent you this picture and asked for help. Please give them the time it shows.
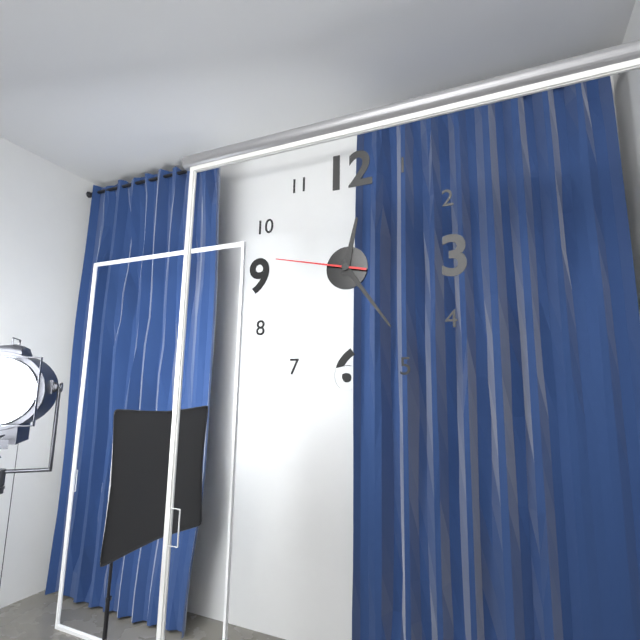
12:24:47
